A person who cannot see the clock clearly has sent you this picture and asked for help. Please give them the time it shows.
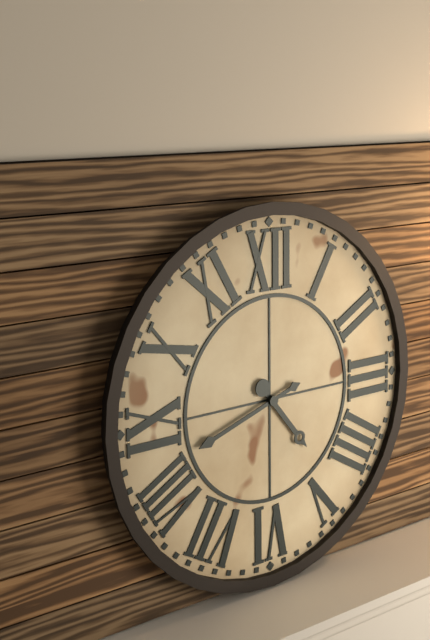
4:42
